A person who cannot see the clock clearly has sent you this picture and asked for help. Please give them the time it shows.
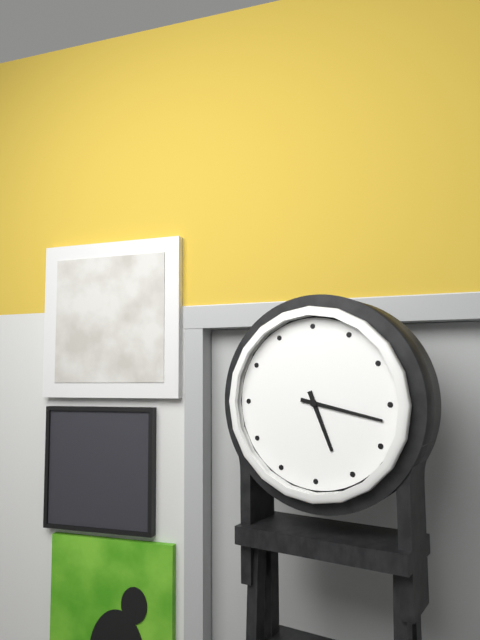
5:17
